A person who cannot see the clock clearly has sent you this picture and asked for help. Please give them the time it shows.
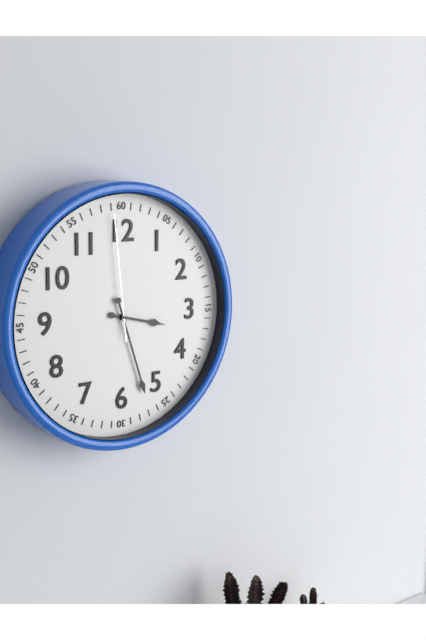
3:27:59
